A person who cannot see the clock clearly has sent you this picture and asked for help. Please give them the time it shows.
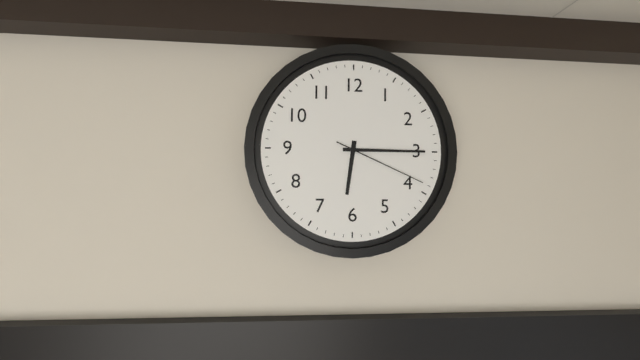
6:15:19
